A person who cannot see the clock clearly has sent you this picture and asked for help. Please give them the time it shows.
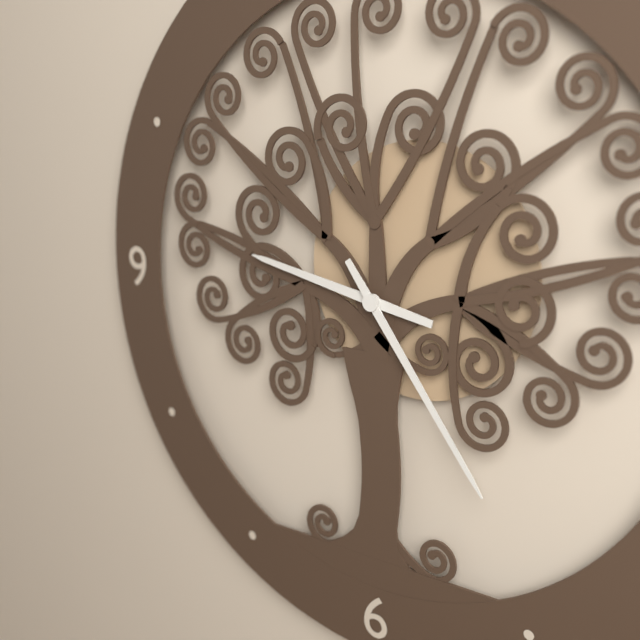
9:24
